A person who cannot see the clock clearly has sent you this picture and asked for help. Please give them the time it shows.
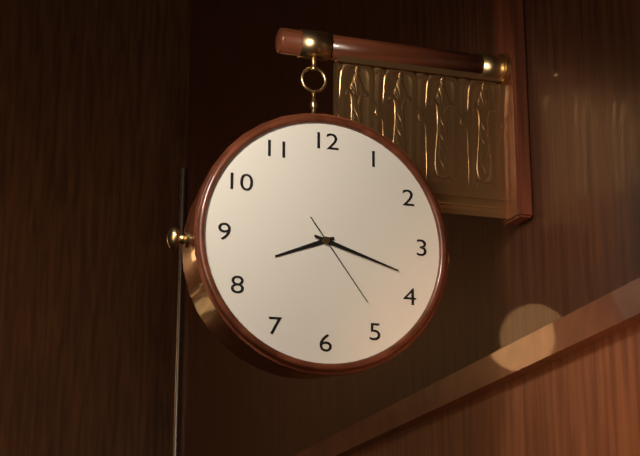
8:18:24
